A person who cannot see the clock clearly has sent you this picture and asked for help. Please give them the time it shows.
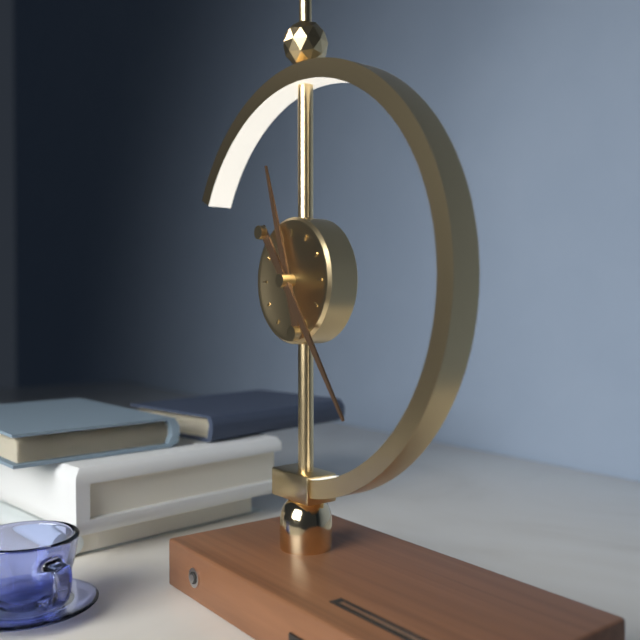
11:24
